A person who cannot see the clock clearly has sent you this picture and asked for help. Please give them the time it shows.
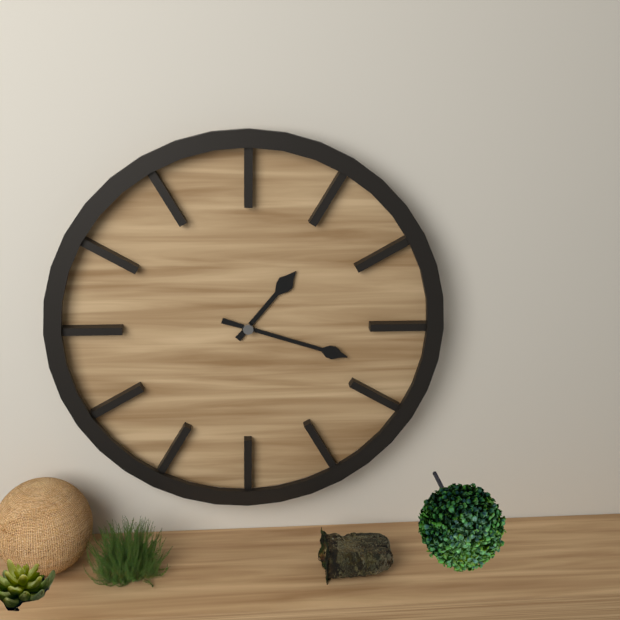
1:18
